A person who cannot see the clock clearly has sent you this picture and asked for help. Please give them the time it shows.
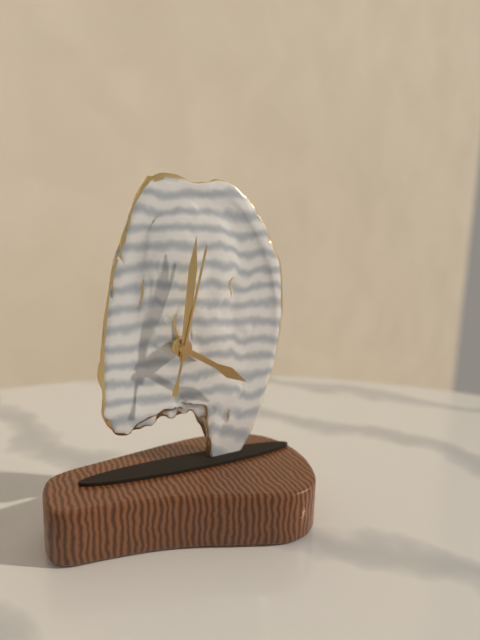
4:01:02
